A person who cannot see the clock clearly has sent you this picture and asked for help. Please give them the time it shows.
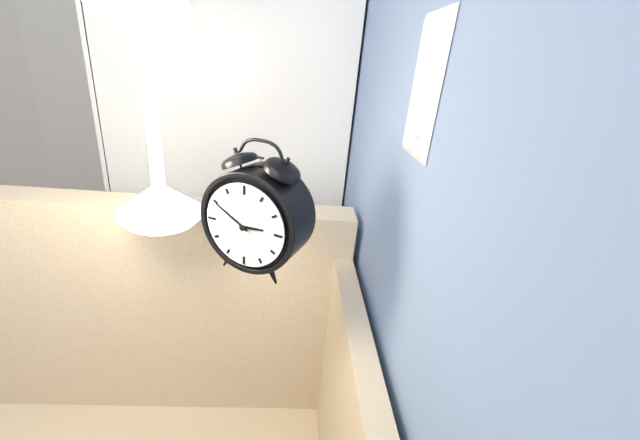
2:50
